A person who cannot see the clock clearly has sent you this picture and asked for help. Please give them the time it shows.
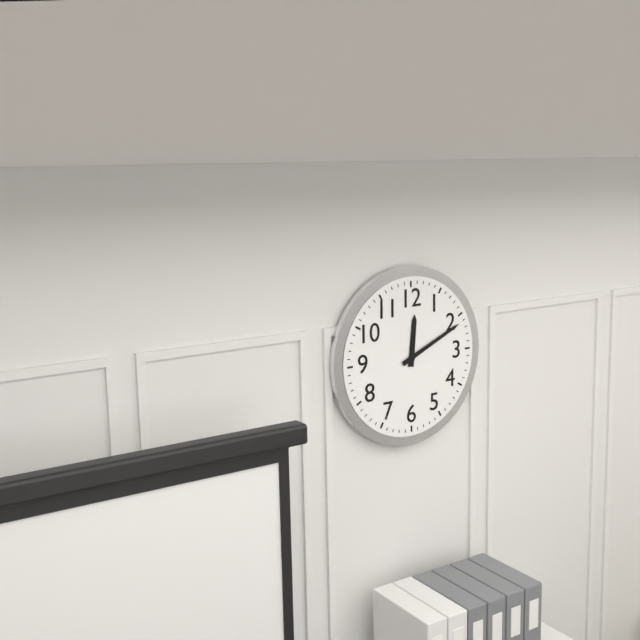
12:11
